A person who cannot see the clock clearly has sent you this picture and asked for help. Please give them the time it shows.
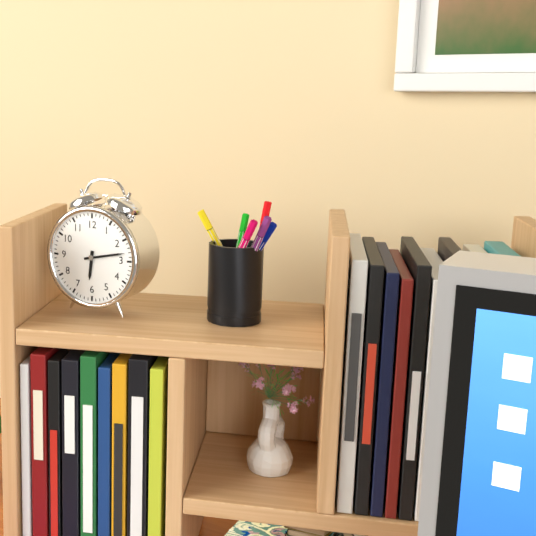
6:13
